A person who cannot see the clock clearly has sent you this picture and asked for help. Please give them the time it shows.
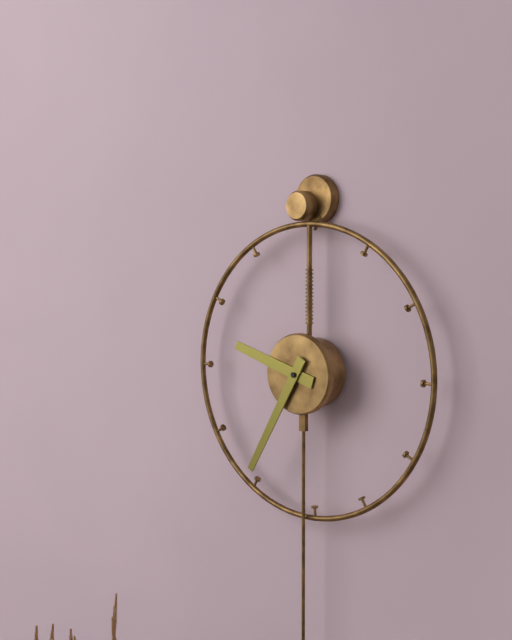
9:35
